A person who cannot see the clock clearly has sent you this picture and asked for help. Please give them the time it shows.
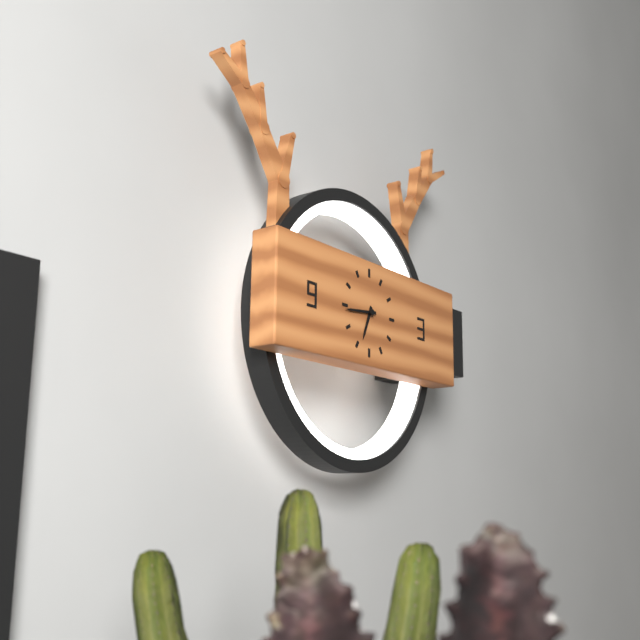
6:44
